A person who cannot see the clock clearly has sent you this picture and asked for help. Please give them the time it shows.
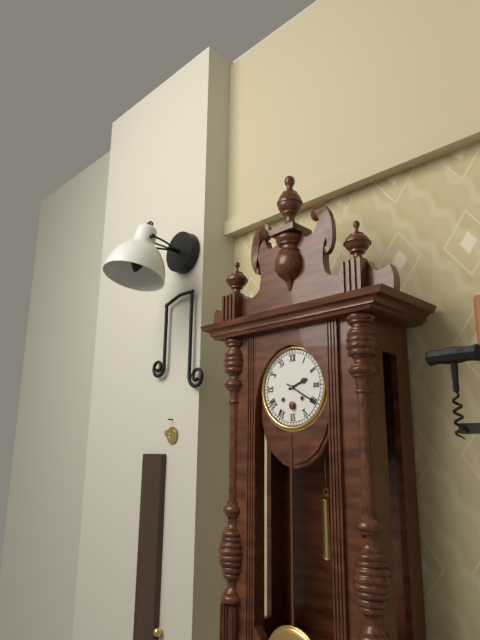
2:20
